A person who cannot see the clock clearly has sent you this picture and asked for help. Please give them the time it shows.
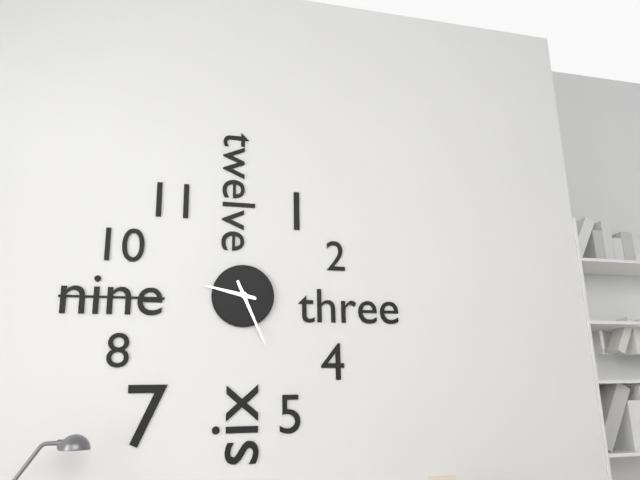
9:26
